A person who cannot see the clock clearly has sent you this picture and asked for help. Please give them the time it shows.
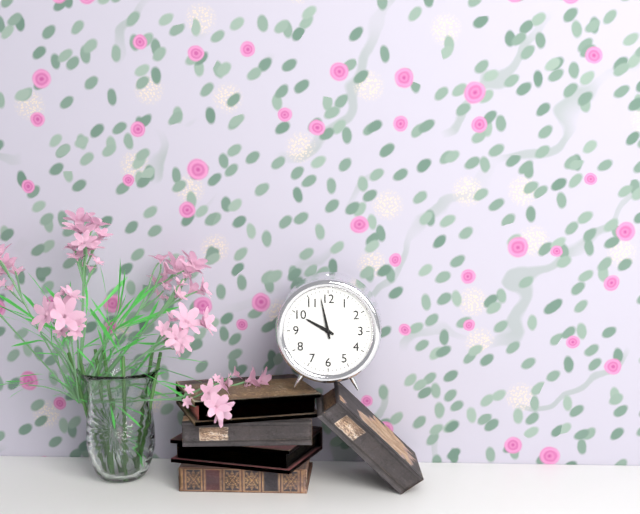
9:58
